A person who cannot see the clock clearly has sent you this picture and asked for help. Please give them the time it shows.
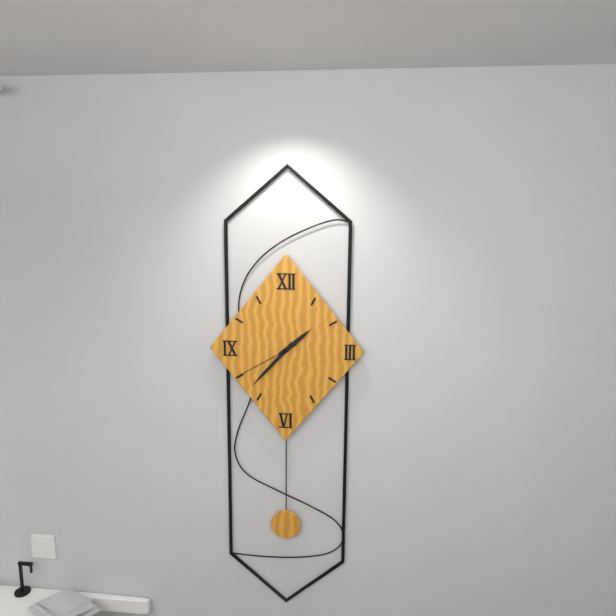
1:37:40
